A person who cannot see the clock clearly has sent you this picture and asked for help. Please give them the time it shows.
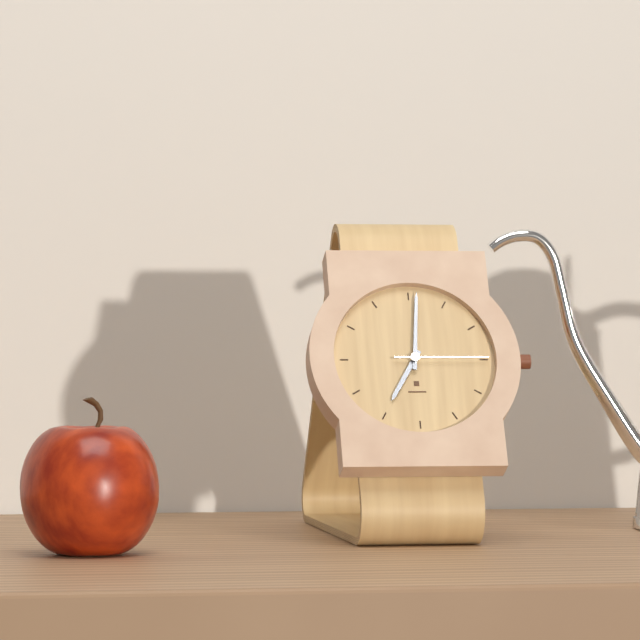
7:01:15
